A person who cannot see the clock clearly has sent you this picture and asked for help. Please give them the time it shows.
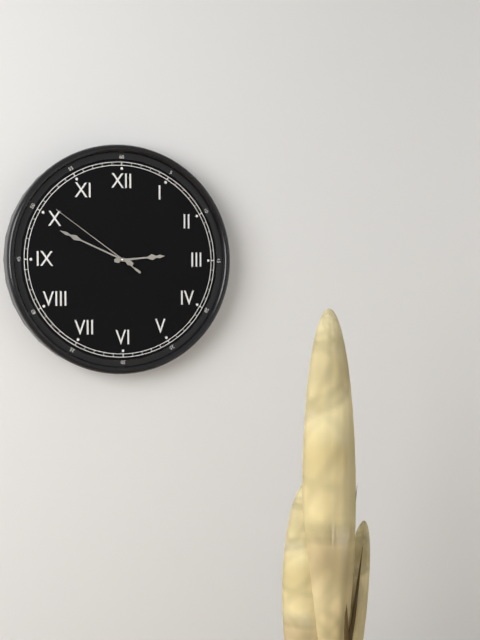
2:49:51
